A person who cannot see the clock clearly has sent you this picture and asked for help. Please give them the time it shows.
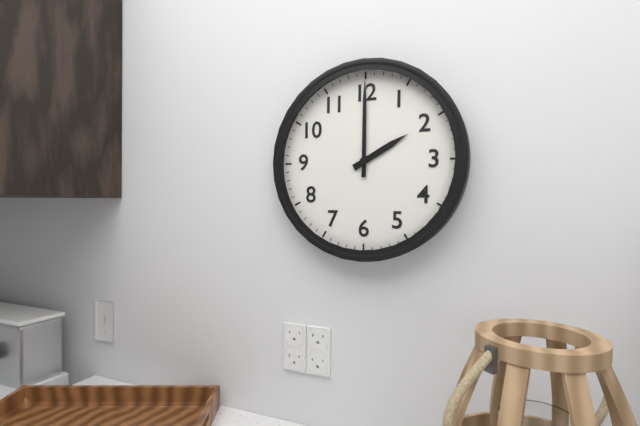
2:00
